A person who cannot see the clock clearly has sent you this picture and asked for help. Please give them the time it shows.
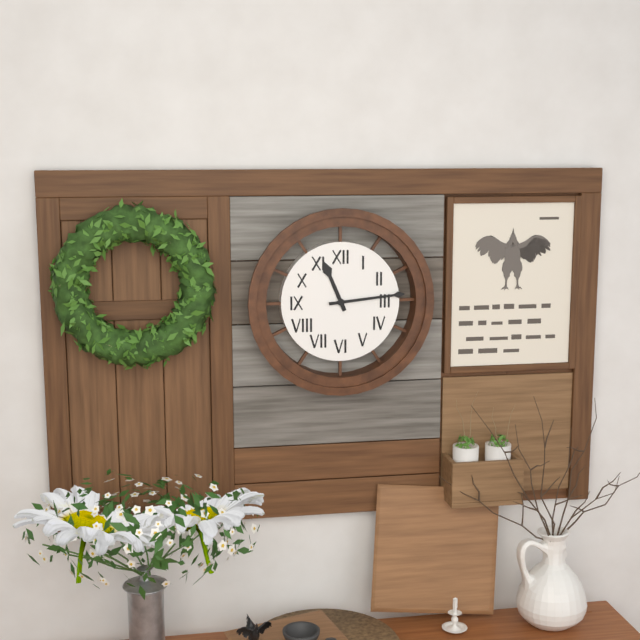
11:14
